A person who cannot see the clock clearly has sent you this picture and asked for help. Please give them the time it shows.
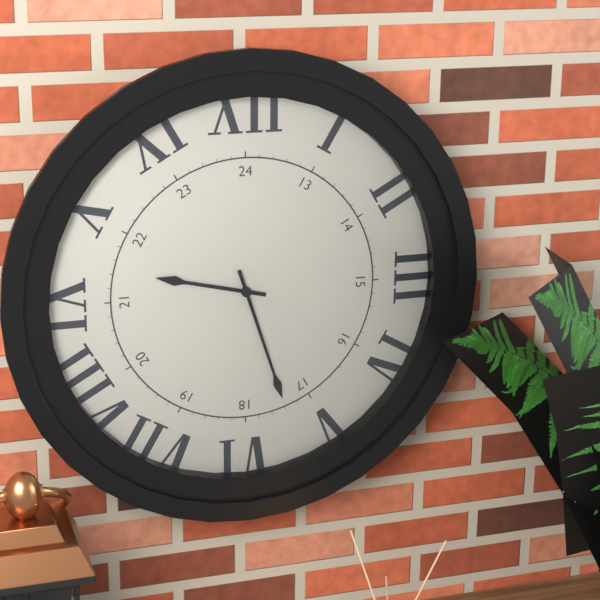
9:27
